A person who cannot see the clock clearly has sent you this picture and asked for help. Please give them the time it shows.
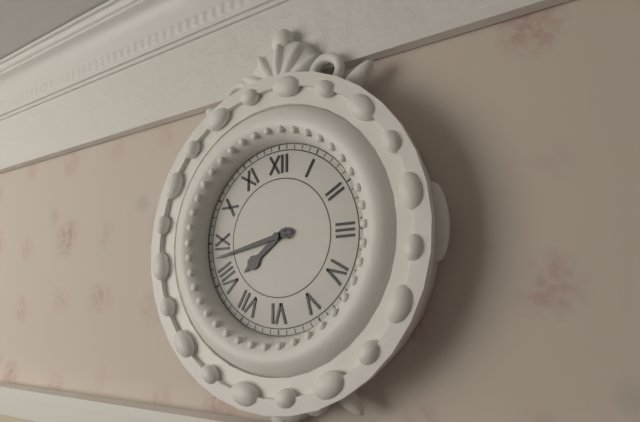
7:43
